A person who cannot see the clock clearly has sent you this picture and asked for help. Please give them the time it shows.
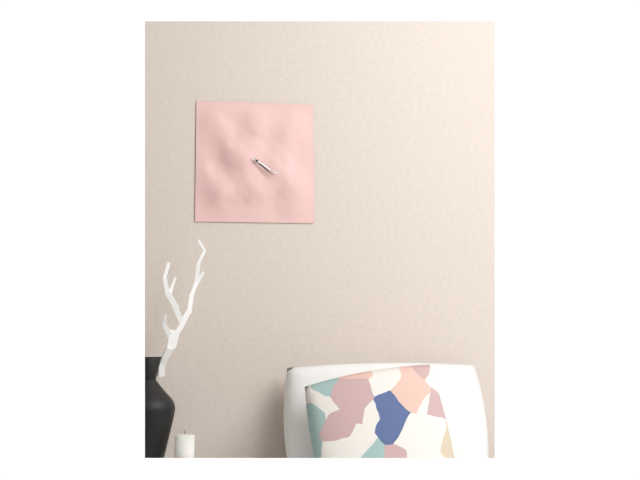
4:20
